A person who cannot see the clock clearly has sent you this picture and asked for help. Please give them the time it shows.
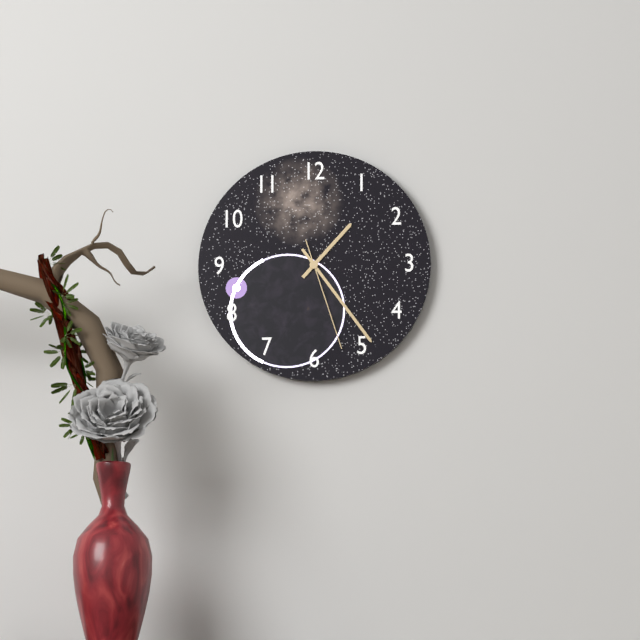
1:24:27
